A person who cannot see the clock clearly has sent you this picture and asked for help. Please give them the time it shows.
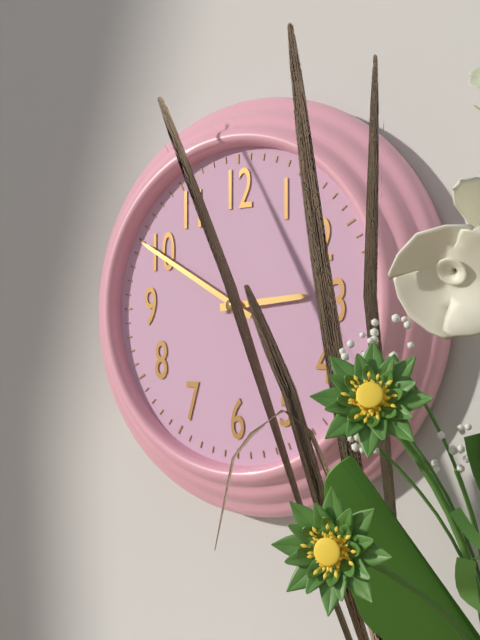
2:50
